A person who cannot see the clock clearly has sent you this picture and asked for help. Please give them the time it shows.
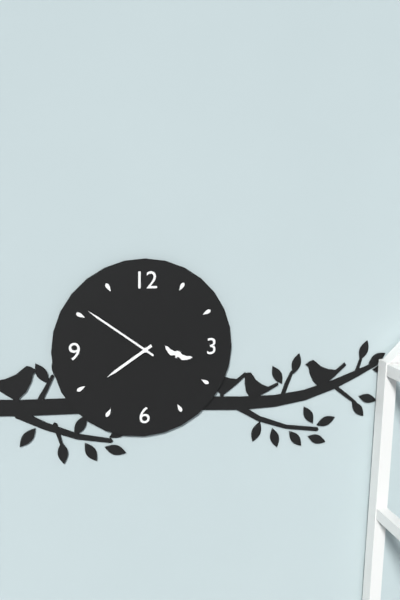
7:51
